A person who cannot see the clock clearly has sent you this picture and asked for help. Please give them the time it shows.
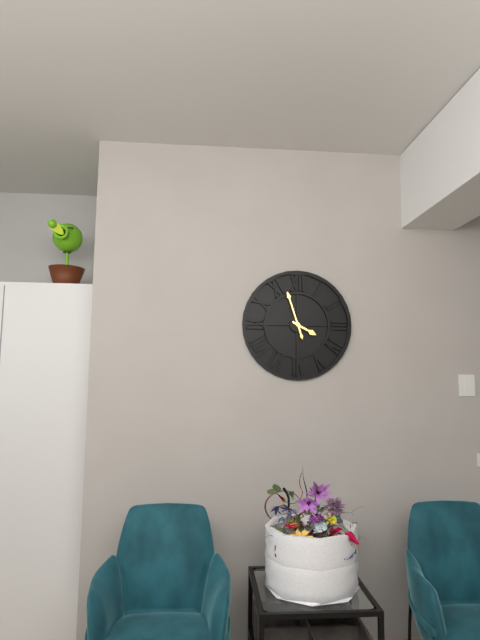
3:57
